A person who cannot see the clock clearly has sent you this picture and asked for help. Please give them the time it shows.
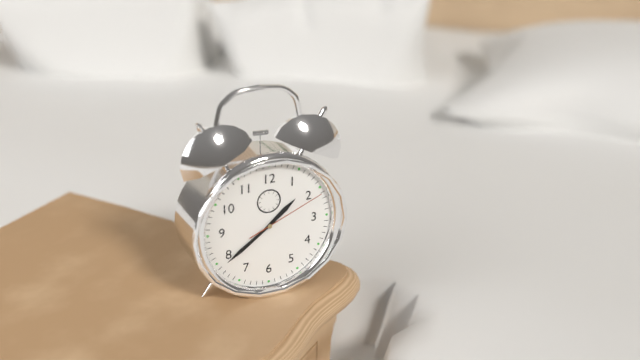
1:39:11
